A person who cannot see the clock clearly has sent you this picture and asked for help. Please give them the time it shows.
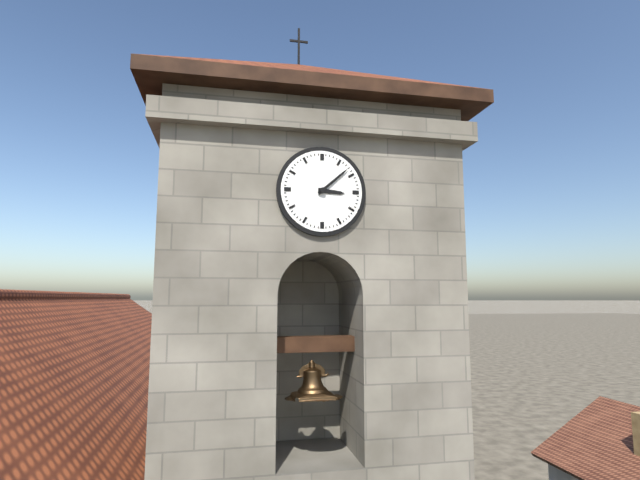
3:08
